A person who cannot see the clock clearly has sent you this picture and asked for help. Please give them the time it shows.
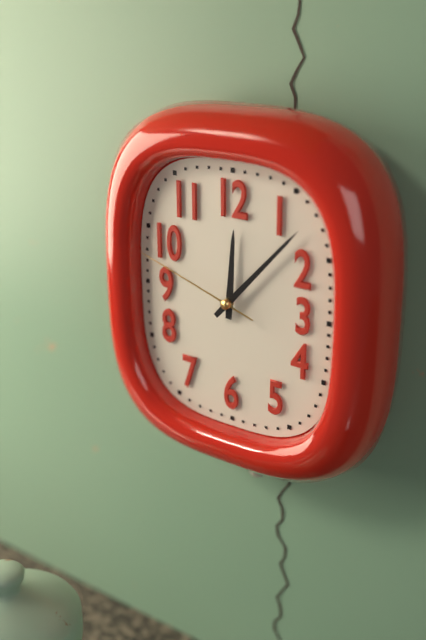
12:07:48
